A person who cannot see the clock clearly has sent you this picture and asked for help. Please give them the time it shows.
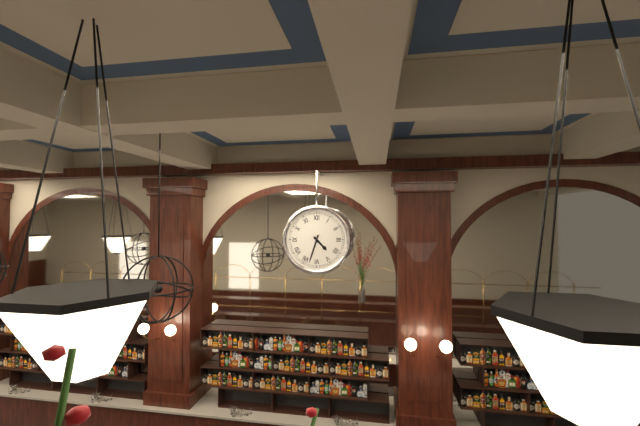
4:33
